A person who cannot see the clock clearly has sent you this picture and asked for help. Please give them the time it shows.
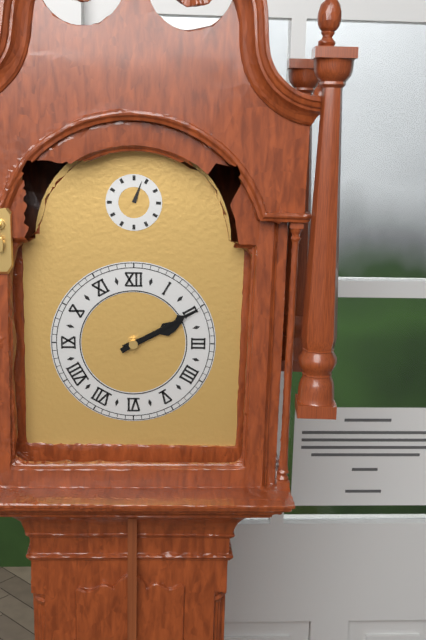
2:10
